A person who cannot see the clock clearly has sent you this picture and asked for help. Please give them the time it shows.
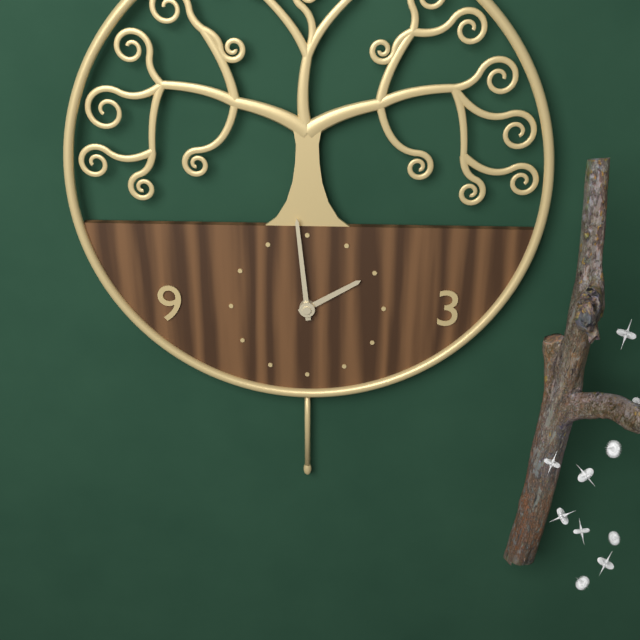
1:59
